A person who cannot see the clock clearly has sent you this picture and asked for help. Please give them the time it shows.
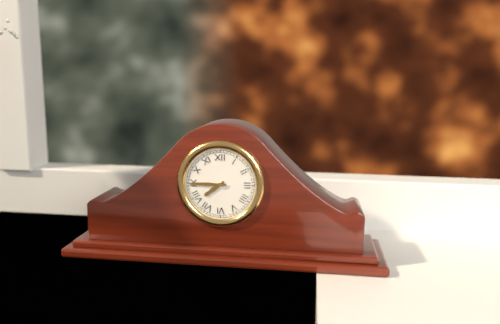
7:45
